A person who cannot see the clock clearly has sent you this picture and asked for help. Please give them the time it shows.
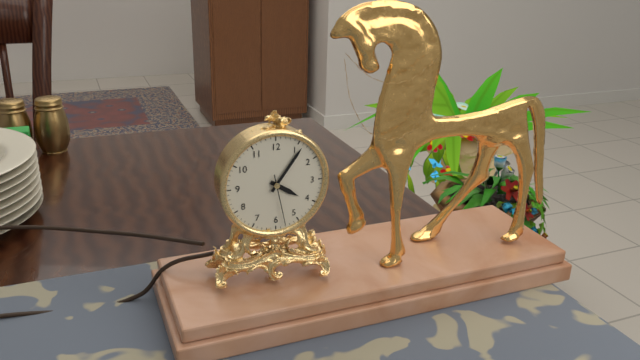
4:06:28
